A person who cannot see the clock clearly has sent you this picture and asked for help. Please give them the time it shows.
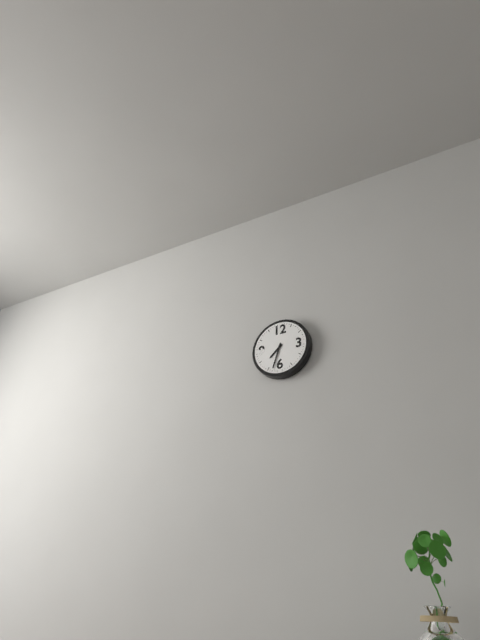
7:33
